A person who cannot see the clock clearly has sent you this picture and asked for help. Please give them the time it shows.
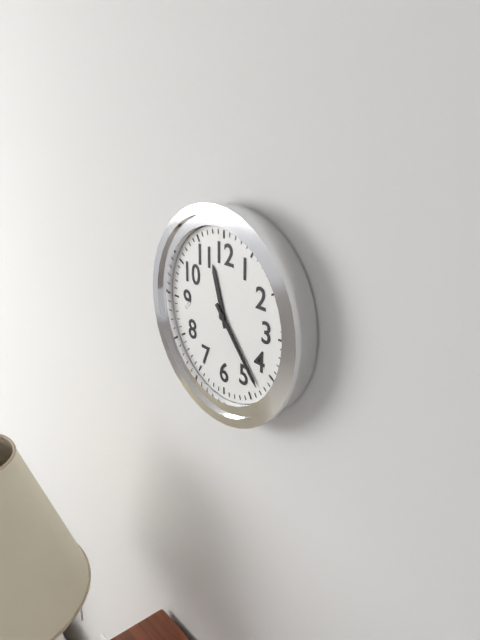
11:23
